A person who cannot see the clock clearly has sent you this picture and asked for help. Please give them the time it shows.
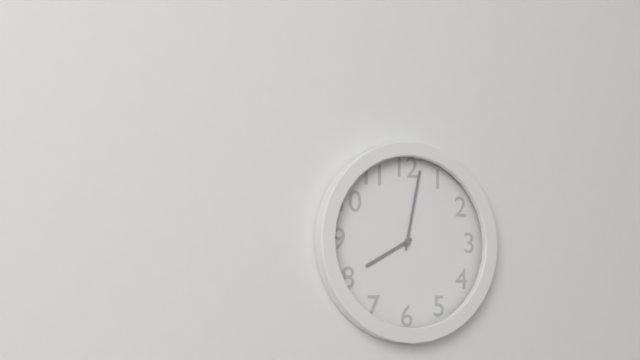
8:02
